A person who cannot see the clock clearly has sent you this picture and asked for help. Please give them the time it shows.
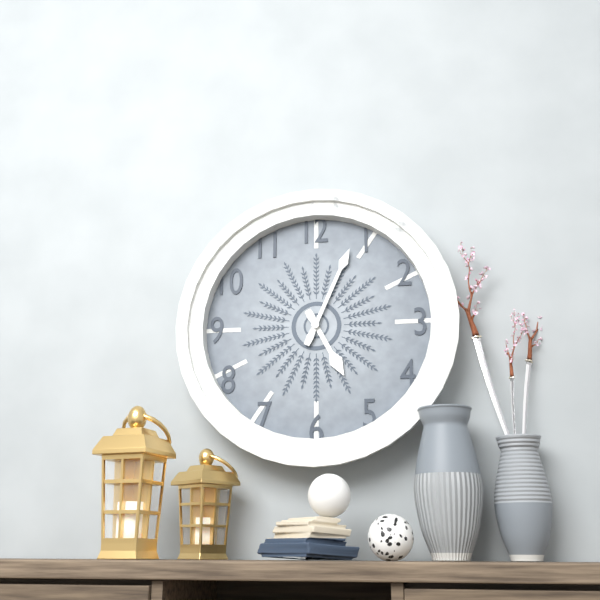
5:04
